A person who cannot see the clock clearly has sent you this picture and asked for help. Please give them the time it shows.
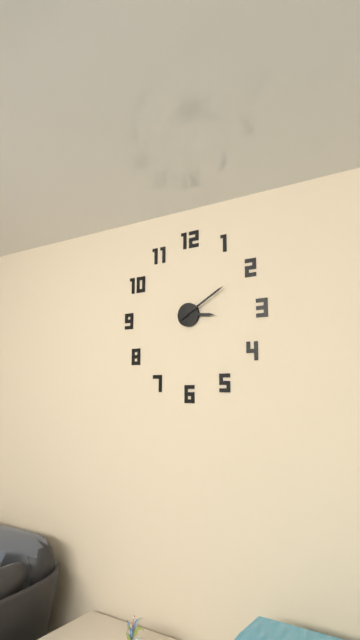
3:10
